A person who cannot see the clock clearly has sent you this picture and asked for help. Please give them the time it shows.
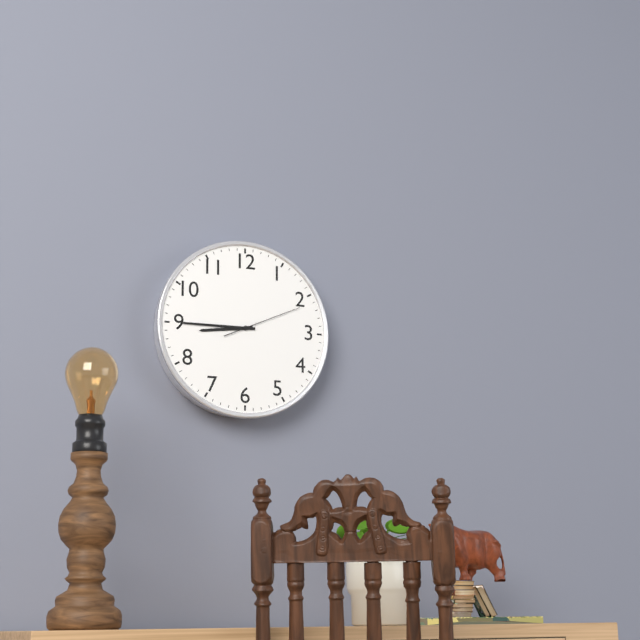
8:45:11
